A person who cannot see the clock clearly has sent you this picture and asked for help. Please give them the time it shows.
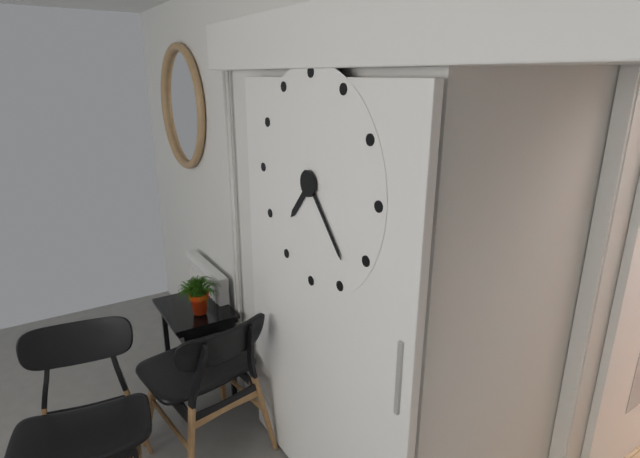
7:23
